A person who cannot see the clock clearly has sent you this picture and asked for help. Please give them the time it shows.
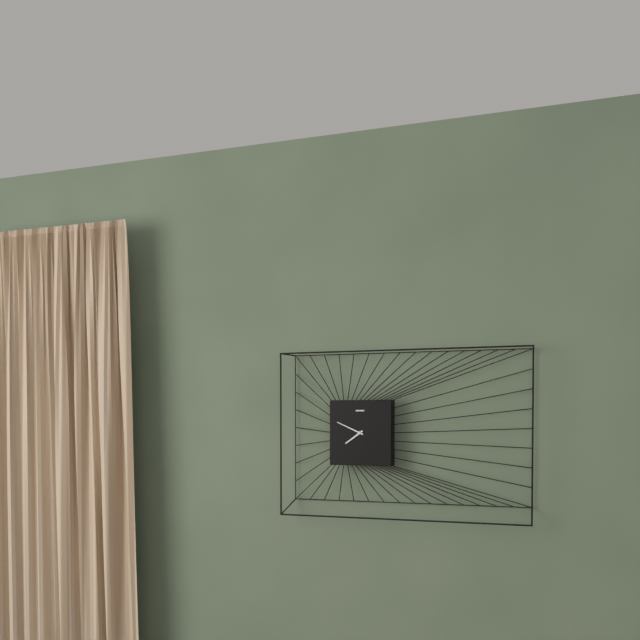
7:49
